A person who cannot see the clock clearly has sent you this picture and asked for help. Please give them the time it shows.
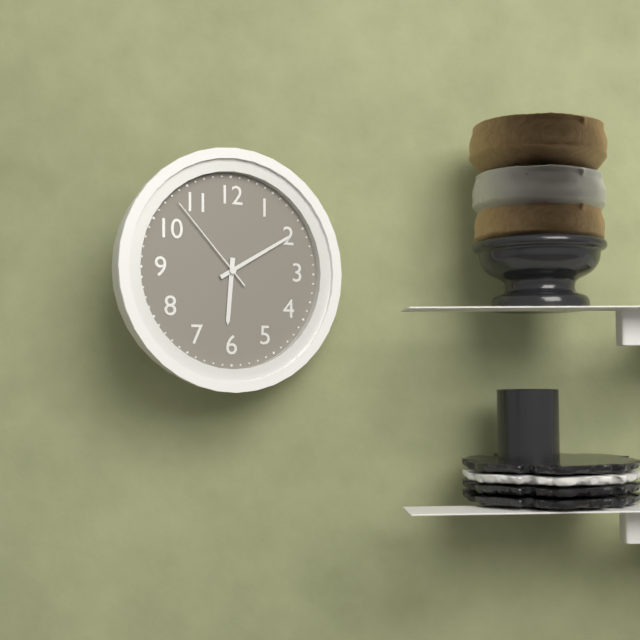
6:10:53
